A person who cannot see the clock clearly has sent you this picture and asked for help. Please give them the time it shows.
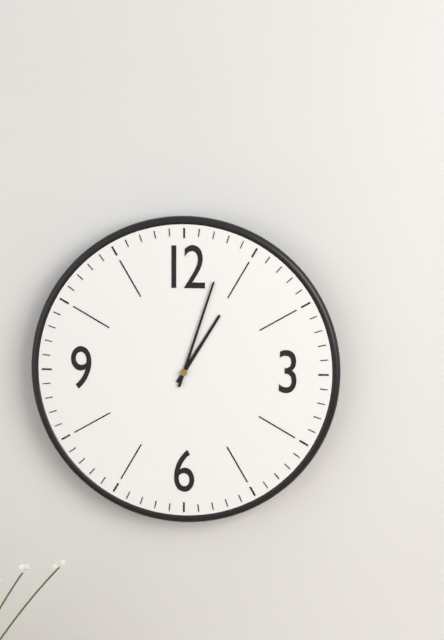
1:03
